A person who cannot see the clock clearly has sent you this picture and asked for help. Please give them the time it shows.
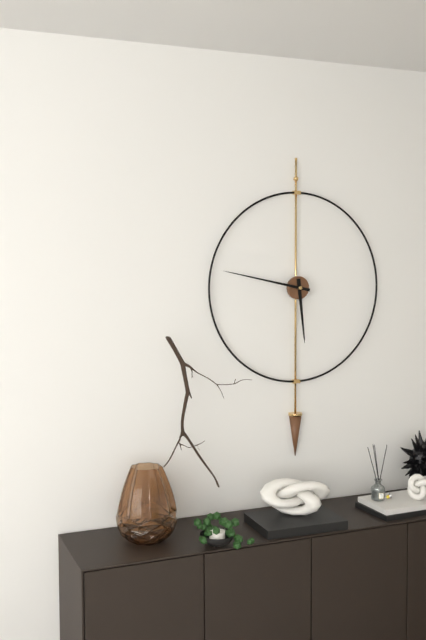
5:47
